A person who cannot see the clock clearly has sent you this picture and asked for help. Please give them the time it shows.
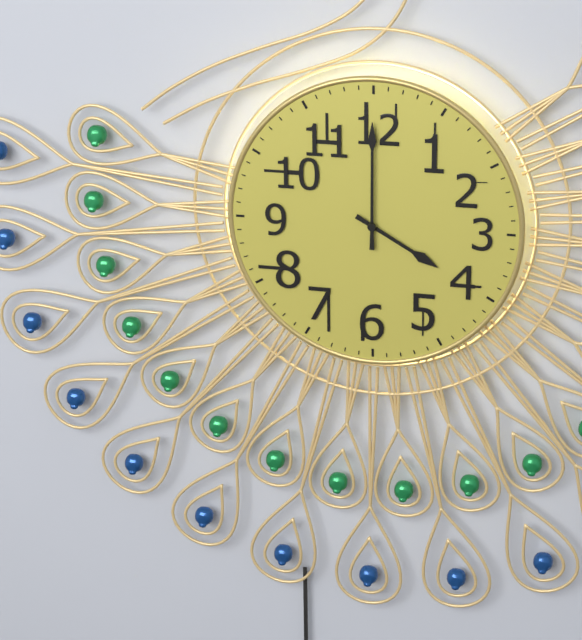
4:00
